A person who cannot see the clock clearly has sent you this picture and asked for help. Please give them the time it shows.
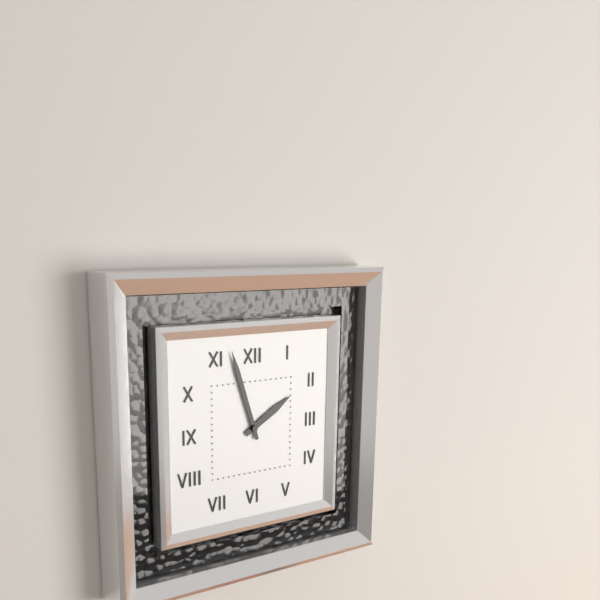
1:57
